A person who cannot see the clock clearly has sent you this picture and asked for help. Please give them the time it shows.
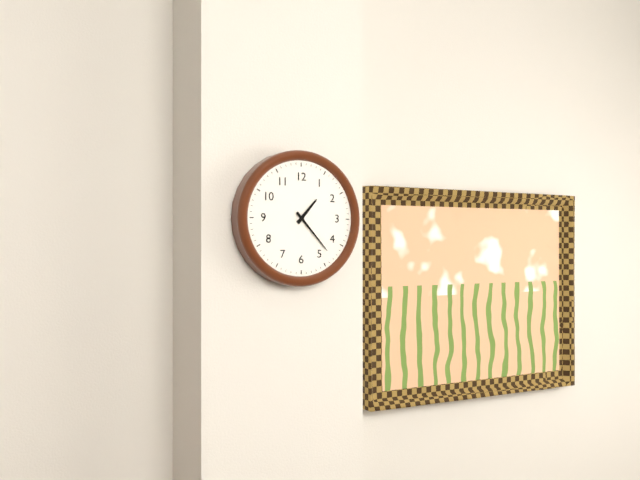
1:23
